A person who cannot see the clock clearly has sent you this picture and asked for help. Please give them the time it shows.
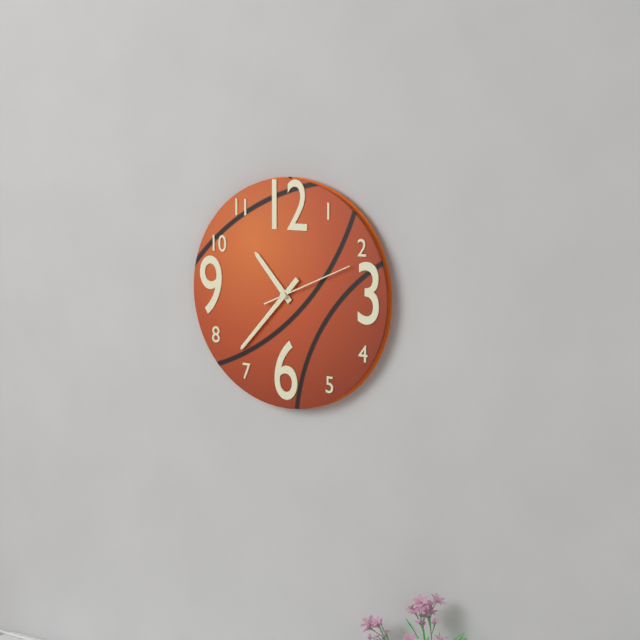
10:37:11
